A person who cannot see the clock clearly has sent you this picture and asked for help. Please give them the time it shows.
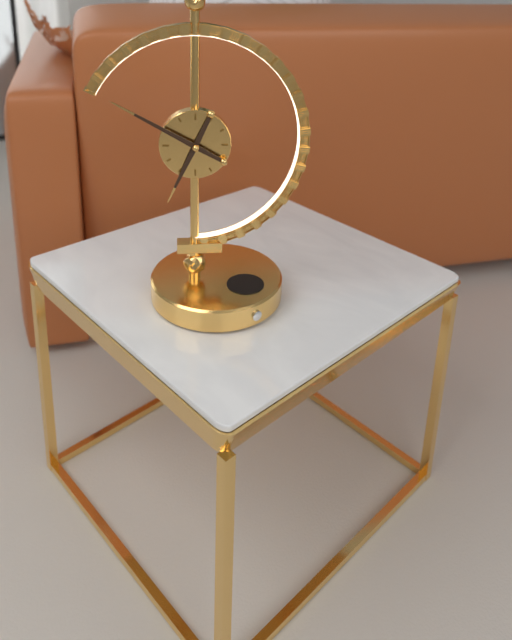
6:50
